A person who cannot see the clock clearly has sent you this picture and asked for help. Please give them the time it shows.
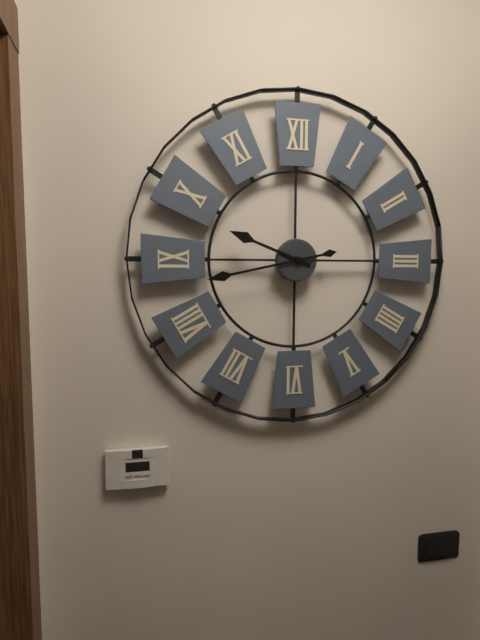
9:43
